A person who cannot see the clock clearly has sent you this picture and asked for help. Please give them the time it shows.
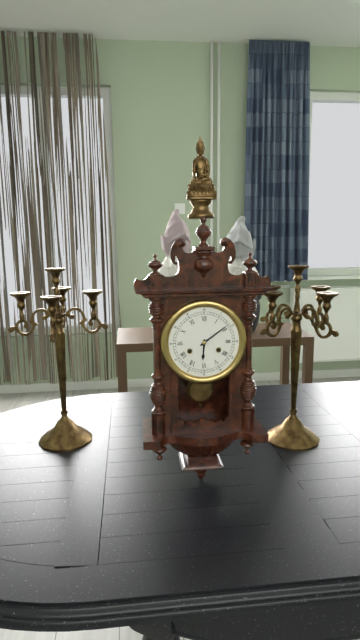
6:09
